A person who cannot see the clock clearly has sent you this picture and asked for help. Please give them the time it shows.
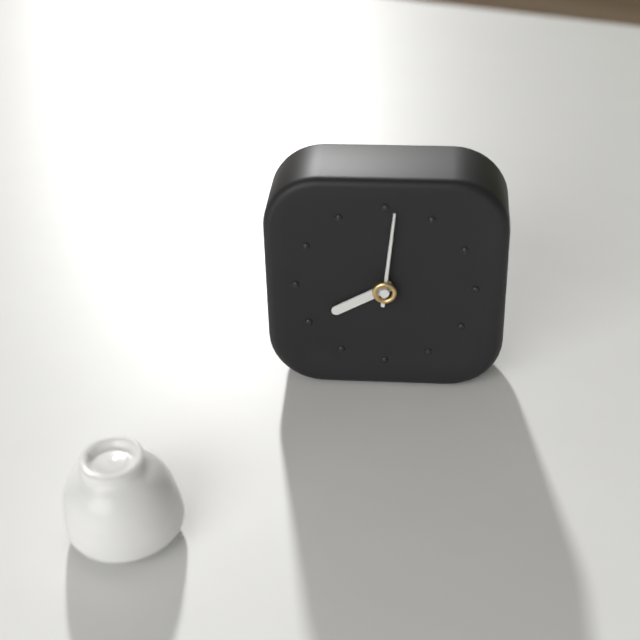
8:01
